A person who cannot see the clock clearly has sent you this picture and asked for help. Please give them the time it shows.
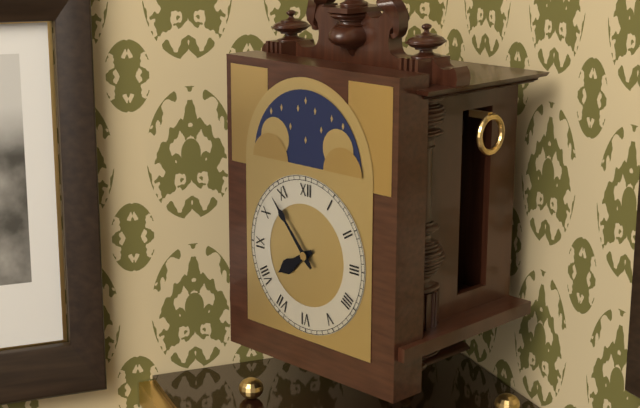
7:53
